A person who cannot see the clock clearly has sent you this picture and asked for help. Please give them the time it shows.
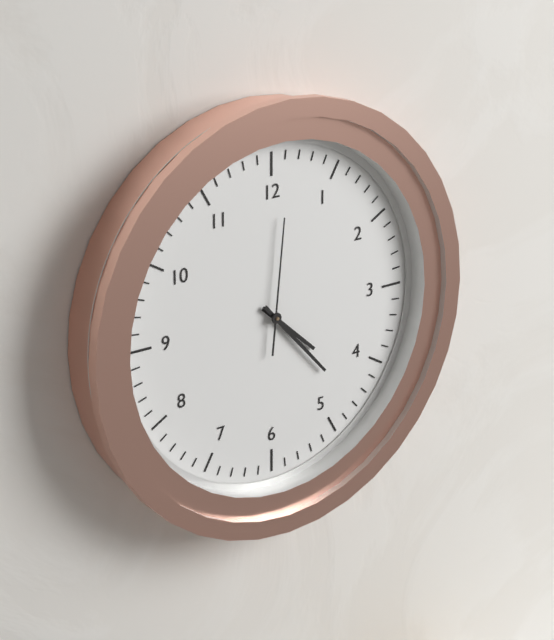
4:23:01
